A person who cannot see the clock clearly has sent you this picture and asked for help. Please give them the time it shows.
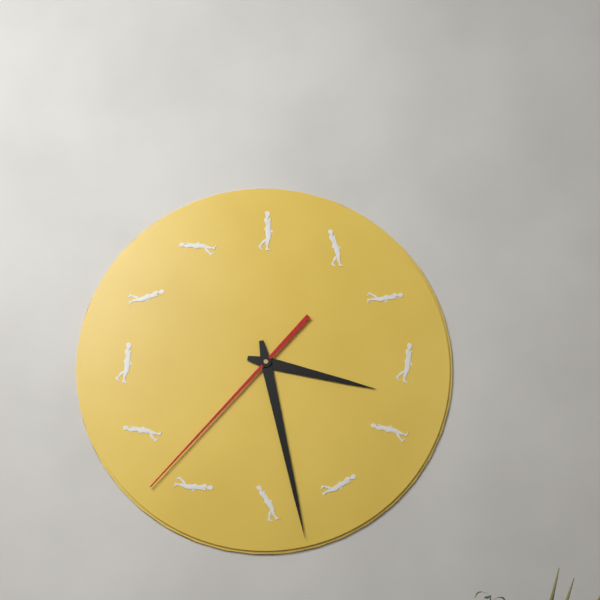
3:28:37
